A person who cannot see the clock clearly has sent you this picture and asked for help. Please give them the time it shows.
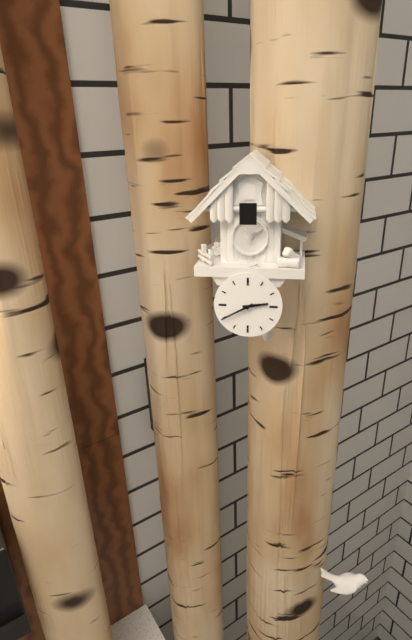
2:40
